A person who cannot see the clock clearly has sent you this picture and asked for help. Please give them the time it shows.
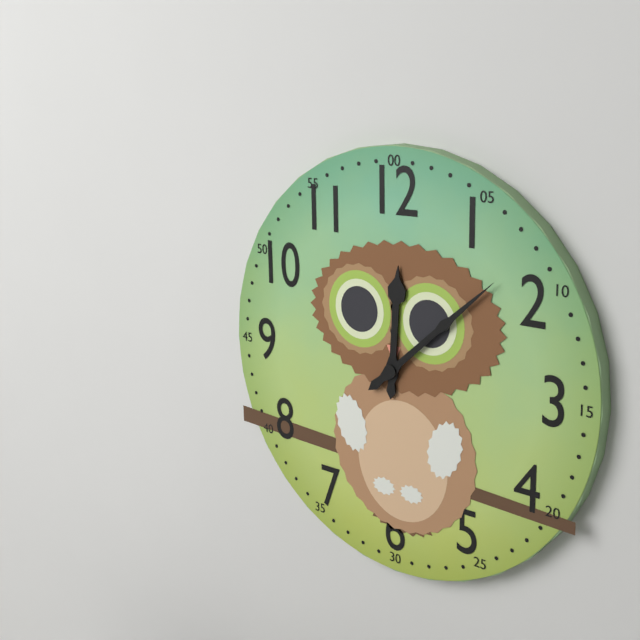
12:08
